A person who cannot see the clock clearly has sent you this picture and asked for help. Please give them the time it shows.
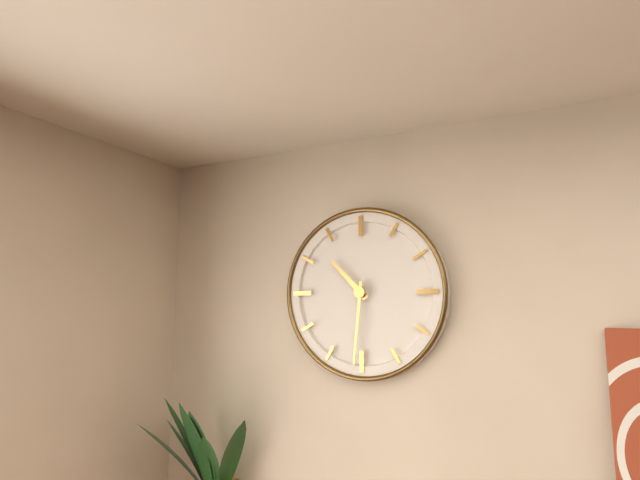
10:31
